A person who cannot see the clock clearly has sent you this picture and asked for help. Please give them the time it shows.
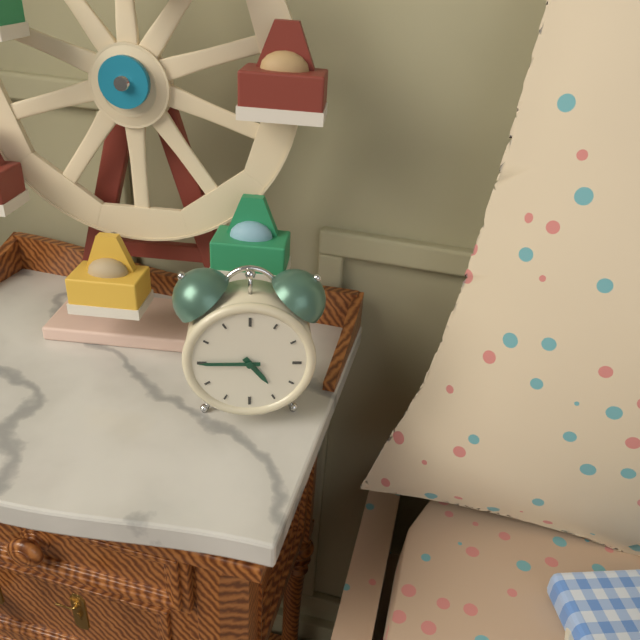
4:45
